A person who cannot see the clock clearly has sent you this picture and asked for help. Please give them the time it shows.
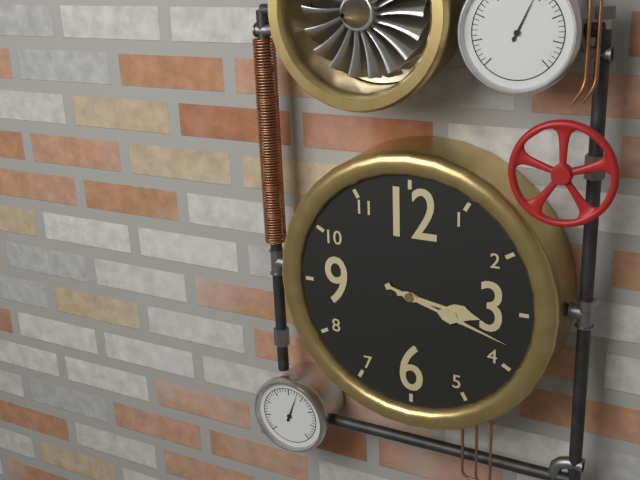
3:18
